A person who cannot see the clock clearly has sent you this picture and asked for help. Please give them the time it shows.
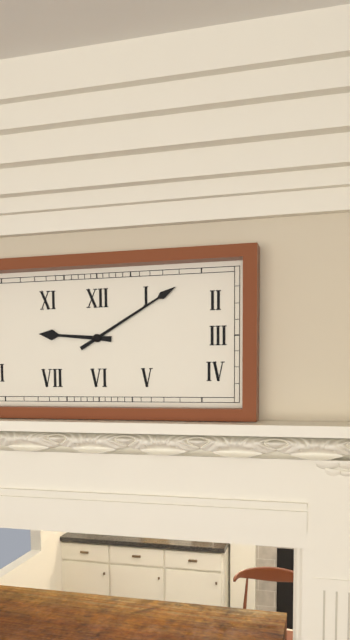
9:10
